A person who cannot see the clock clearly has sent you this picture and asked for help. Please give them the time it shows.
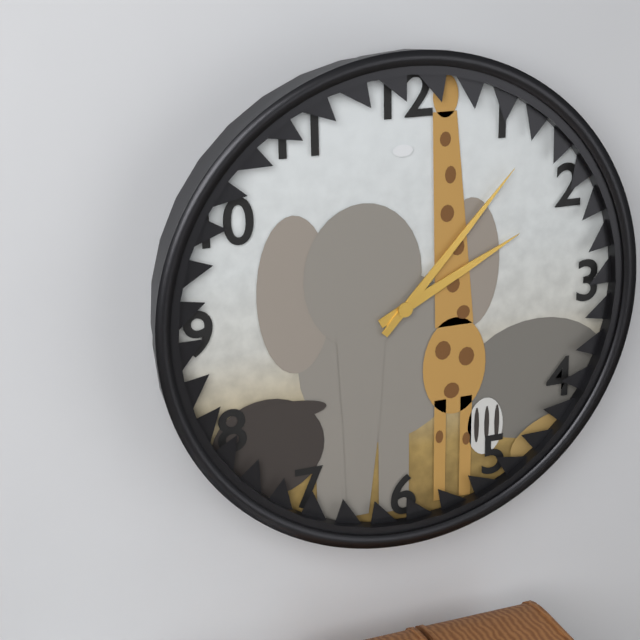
2:07
